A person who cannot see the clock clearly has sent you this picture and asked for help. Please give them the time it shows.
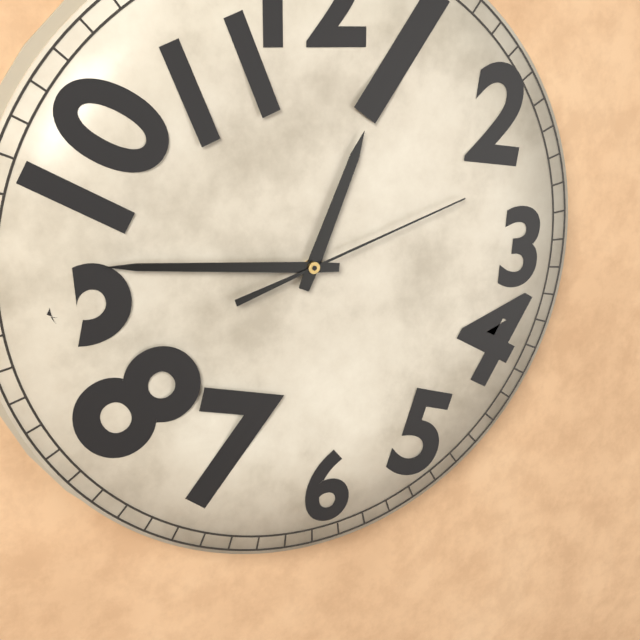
12:46:12
